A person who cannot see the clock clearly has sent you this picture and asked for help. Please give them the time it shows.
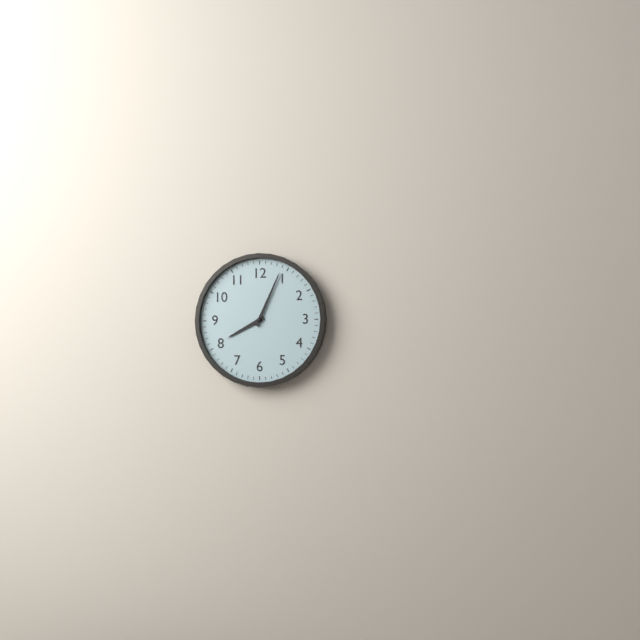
8:04
